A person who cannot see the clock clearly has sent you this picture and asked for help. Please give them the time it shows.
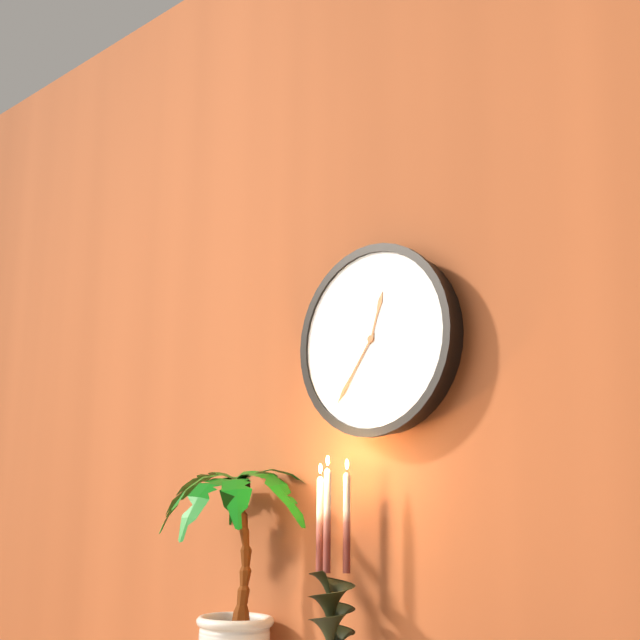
12:36
